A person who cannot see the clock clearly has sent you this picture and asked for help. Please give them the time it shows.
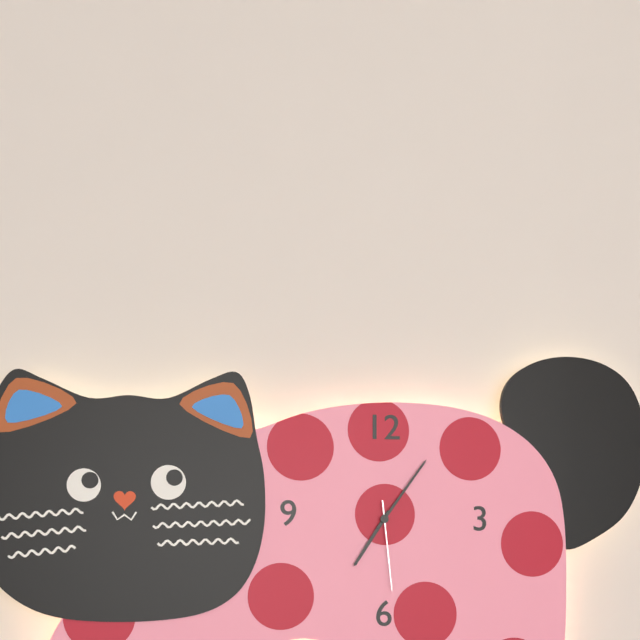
7:06:29
